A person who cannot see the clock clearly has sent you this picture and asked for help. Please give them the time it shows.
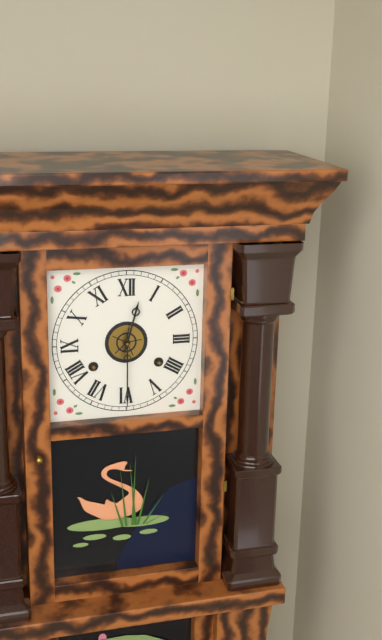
12:30
